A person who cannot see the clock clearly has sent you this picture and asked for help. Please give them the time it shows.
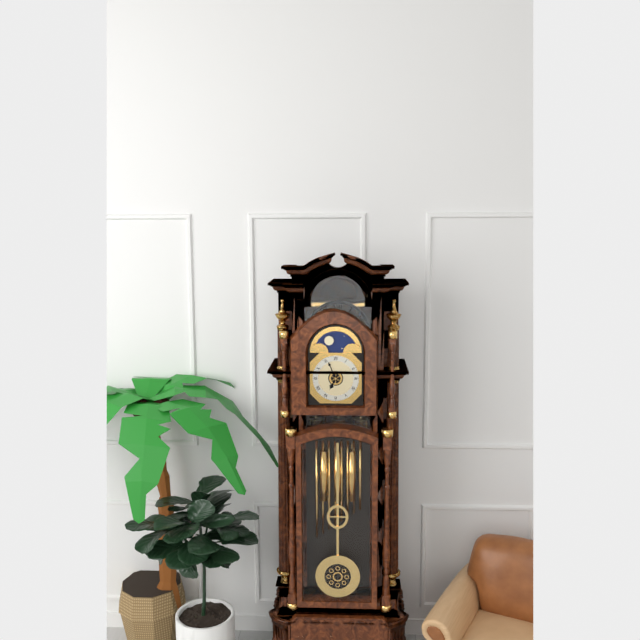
6:56
